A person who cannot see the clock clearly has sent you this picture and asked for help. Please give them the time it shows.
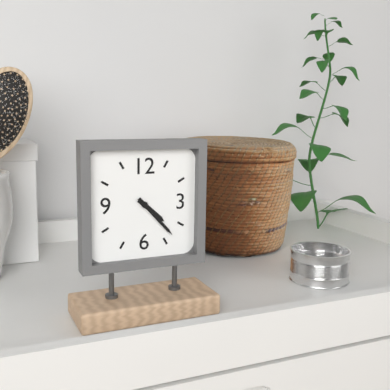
4:23
